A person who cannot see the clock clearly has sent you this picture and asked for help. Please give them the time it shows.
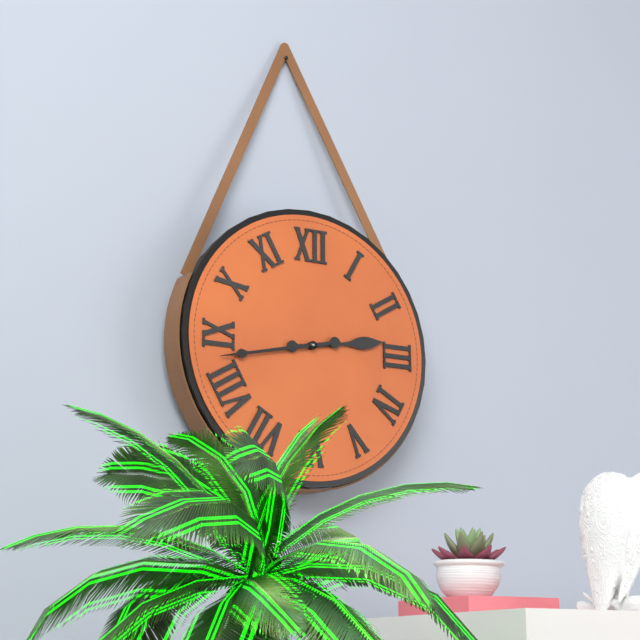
2:43
